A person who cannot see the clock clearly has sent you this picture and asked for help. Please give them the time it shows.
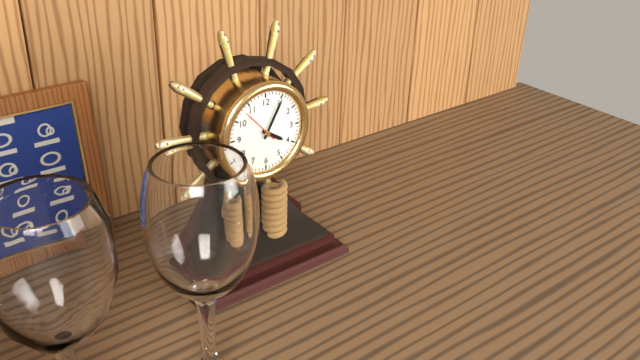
4:05
